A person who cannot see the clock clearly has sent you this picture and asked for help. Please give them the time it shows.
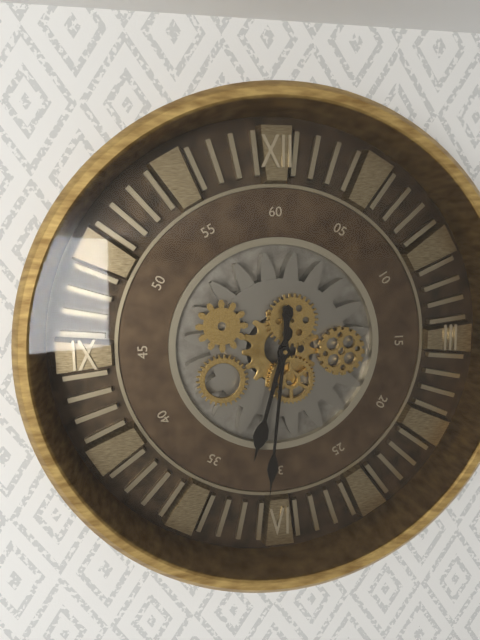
6:31
